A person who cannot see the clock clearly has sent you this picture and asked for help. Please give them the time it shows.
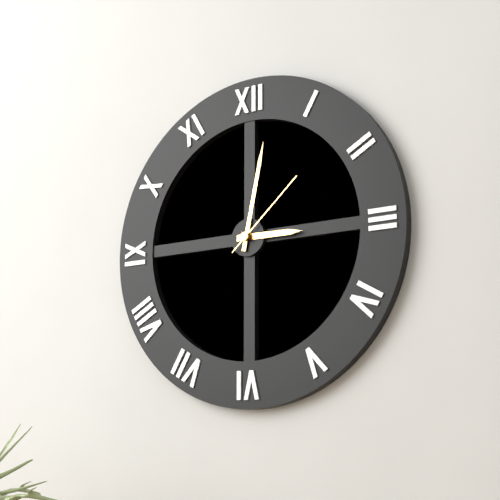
3:02:08
